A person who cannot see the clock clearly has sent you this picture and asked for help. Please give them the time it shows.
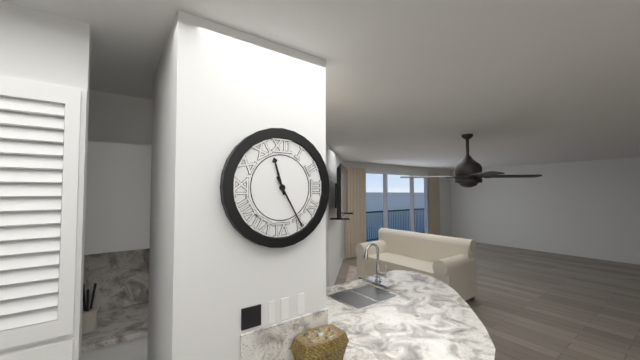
11:25
